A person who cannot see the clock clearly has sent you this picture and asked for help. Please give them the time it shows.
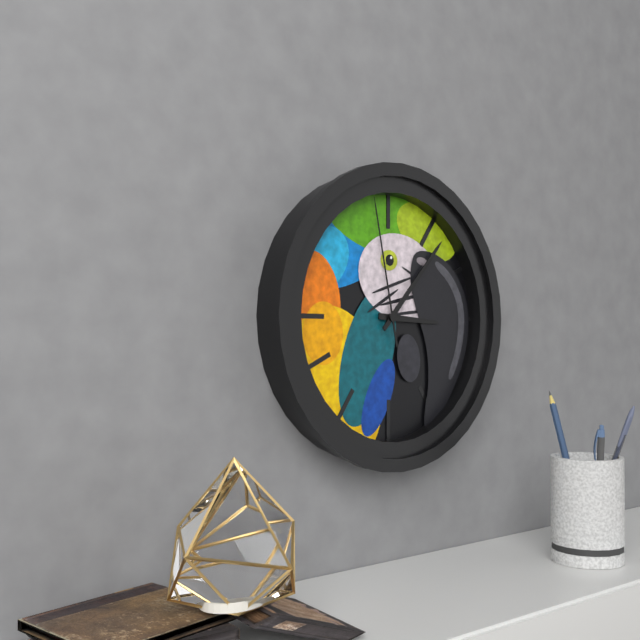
3:07:58
